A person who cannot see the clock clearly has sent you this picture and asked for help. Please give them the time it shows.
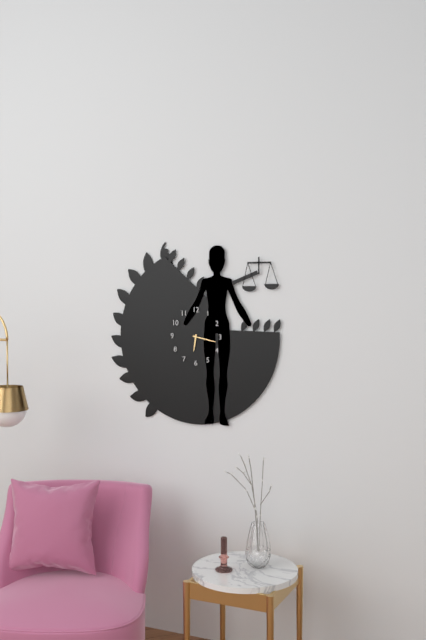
6:17
